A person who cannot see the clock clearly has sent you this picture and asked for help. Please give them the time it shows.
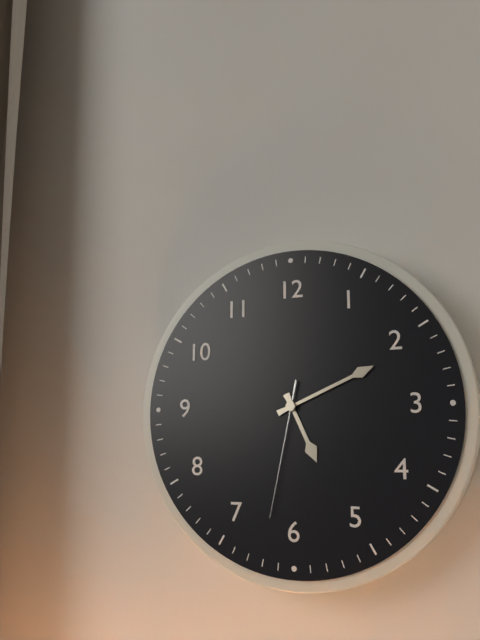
5:11:32
